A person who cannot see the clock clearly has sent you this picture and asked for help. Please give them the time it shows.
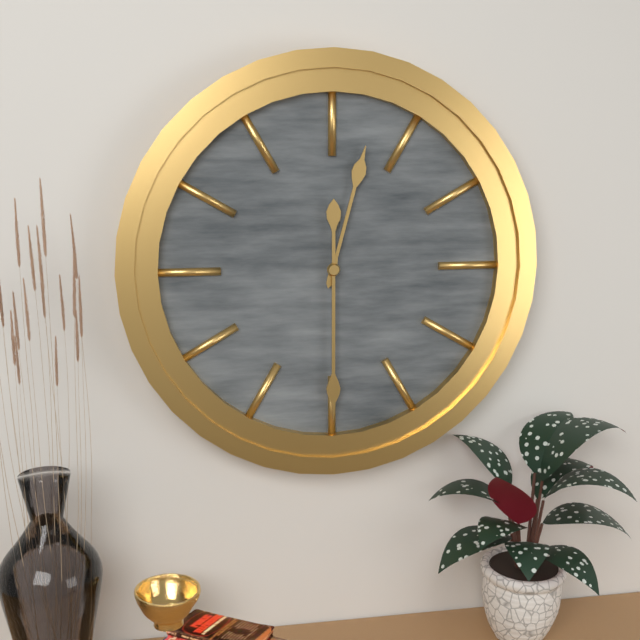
12:30
